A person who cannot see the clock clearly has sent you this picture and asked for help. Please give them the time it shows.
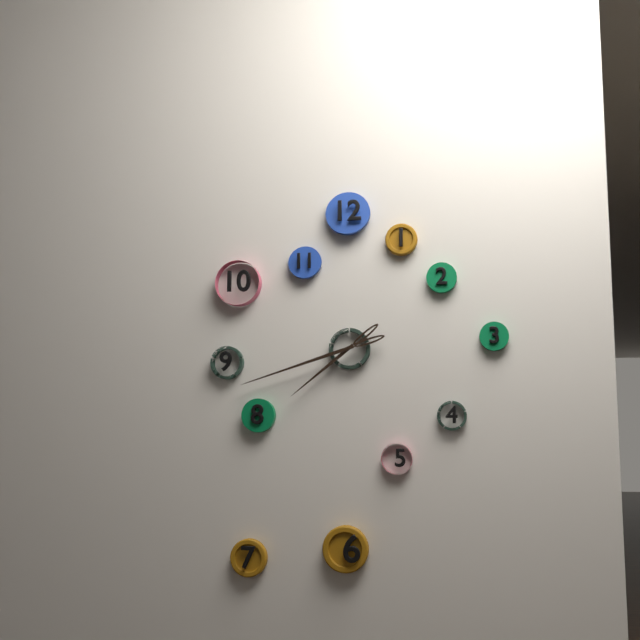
7:42
